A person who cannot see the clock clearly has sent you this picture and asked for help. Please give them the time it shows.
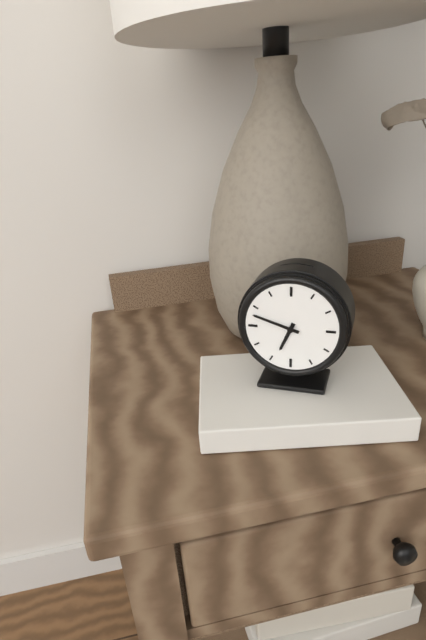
6:48
